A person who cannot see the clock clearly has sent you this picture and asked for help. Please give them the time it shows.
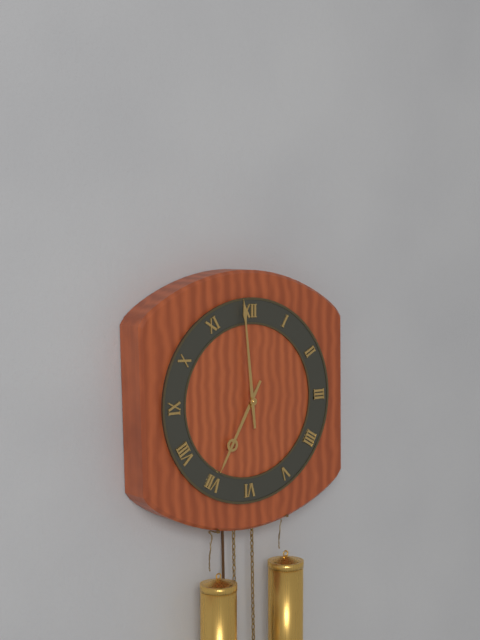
6:59
